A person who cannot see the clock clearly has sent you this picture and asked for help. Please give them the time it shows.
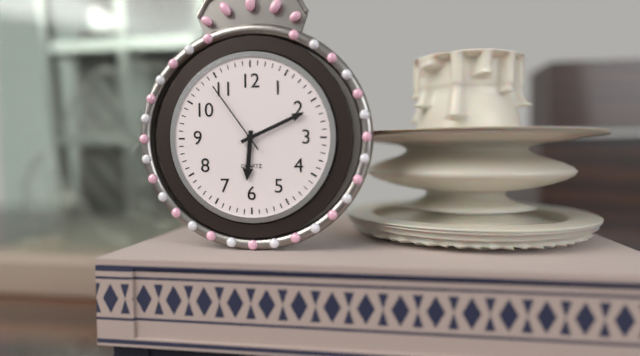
6:11:54
